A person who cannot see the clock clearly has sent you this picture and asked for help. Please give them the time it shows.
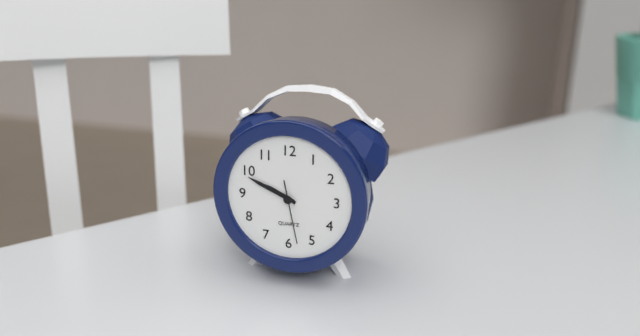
9:49:28
